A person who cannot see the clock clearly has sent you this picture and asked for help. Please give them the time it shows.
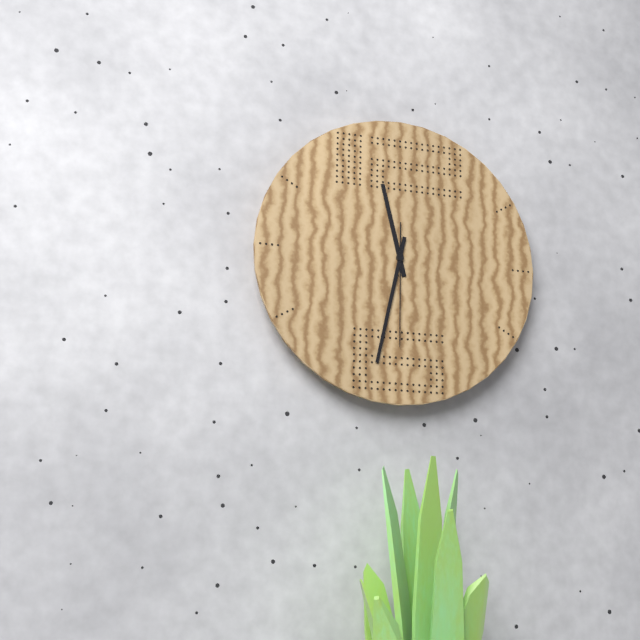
11:32:30
